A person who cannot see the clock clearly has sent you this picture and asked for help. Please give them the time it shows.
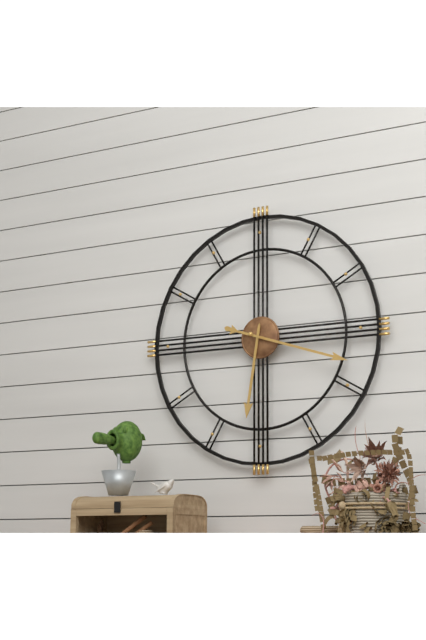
6:18
